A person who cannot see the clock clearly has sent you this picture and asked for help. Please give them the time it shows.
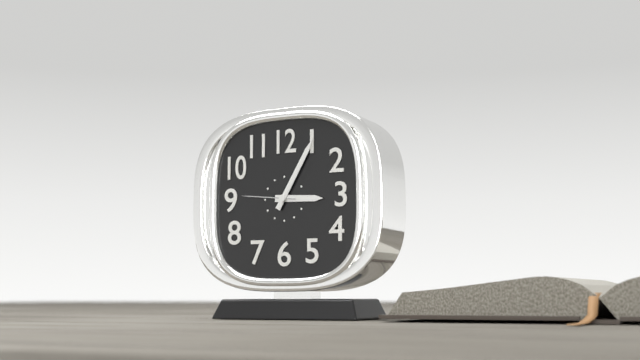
3:05:46
